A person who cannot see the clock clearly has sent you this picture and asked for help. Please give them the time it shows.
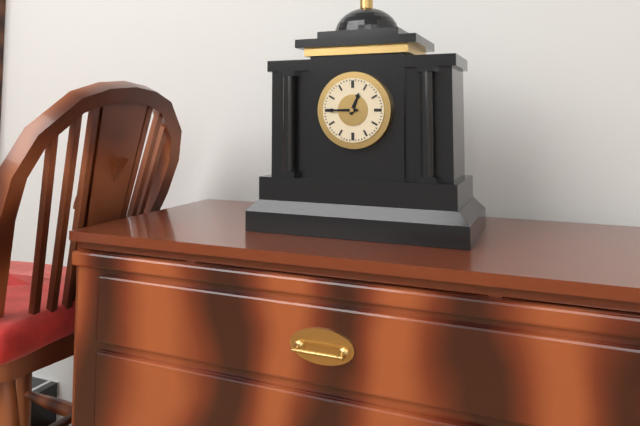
12:45
